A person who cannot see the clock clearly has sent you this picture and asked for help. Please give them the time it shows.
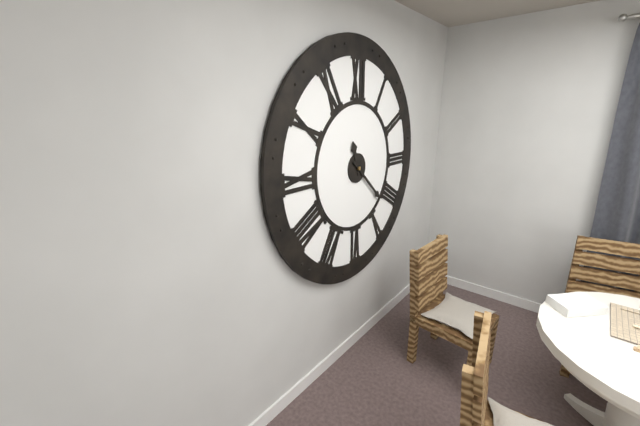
11:22
